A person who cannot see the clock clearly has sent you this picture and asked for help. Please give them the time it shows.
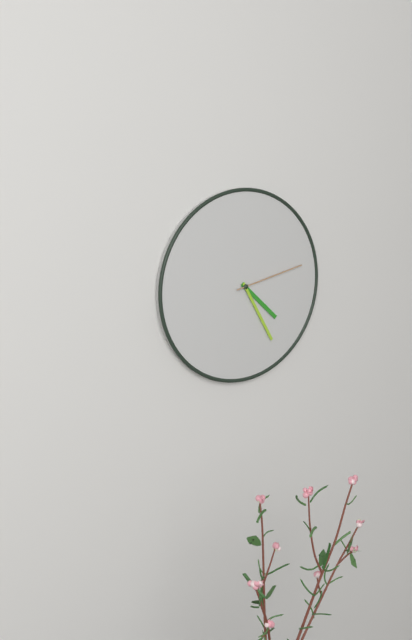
4:25:13
